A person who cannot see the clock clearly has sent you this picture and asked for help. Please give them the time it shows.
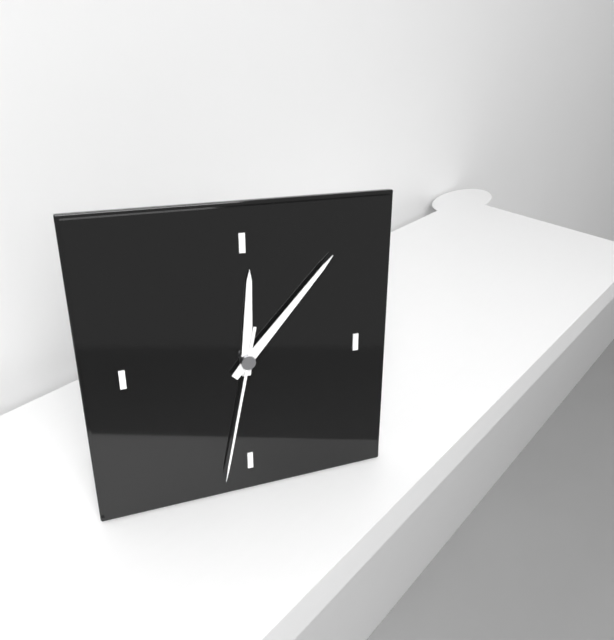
12:07:32
